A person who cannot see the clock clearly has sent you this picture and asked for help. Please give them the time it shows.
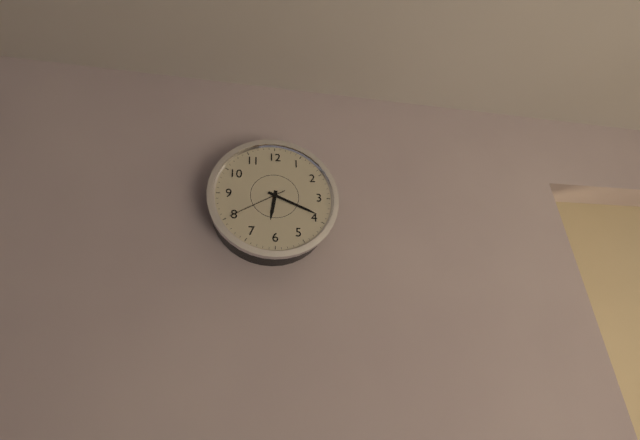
6:19:40
